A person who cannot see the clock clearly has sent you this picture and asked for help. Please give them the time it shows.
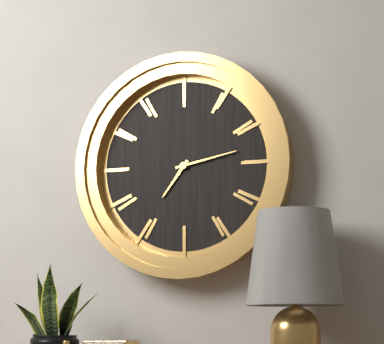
7:13
